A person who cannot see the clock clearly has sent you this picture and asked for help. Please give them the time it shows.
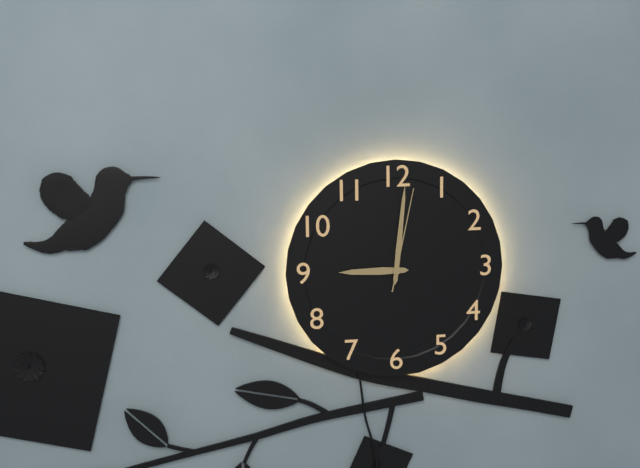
9:01:02
